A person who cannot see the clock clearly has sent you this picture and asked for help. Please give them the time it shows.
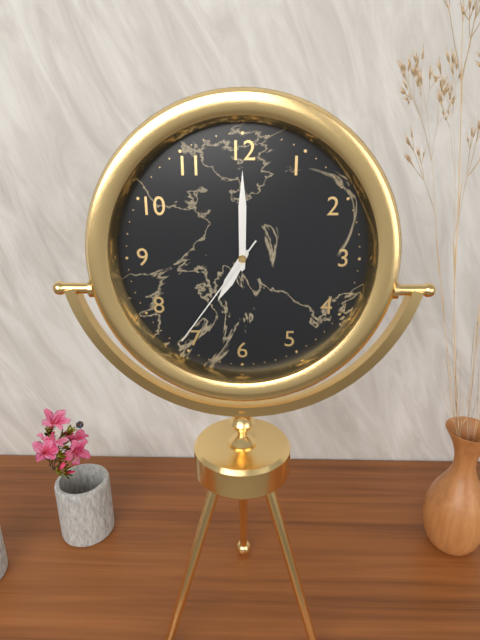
7:00:36
